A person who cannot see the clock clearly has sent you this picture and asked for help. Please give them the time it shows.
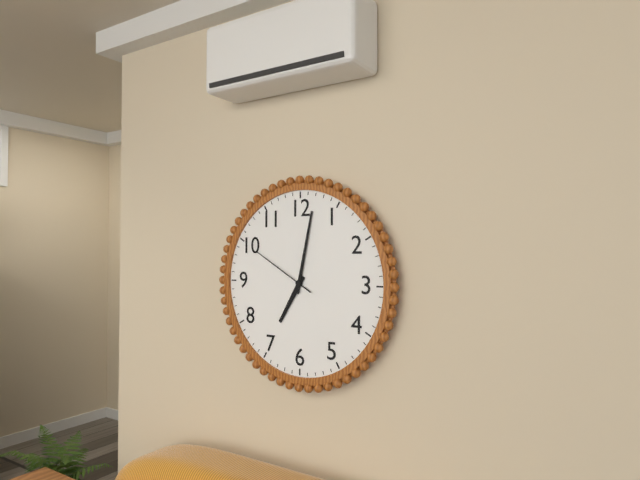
7:02:50
